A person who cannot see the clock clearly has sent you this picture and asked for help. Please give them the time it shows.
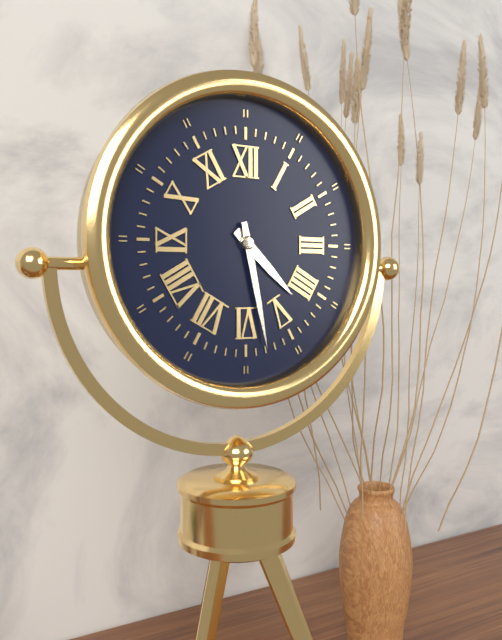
4:28
